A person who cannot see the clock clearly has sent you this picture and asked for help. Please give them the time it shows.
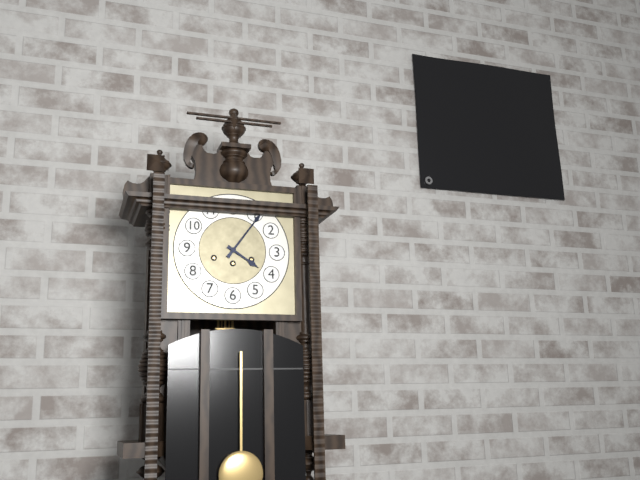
4:06
